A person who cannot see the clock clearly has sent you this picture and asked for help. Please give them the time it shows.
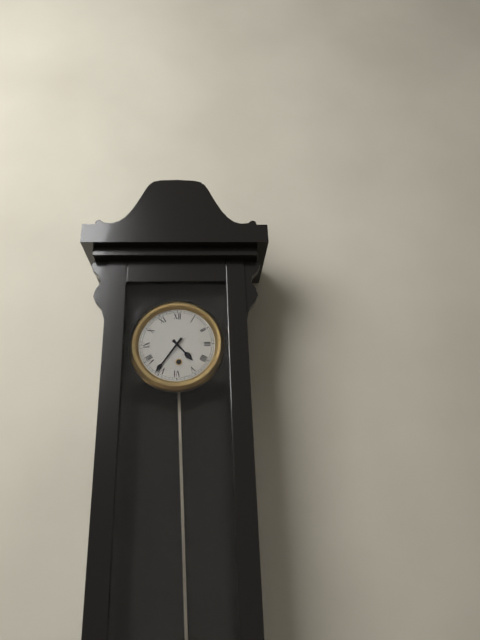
4:36
